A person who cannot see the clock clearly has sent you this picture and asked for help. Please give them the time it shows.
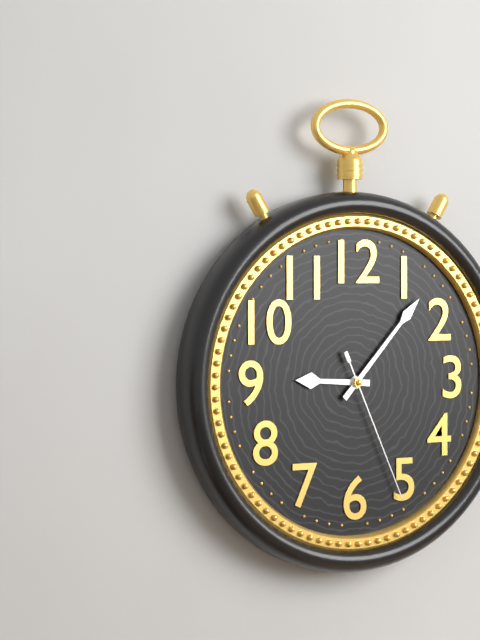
9:07:26
